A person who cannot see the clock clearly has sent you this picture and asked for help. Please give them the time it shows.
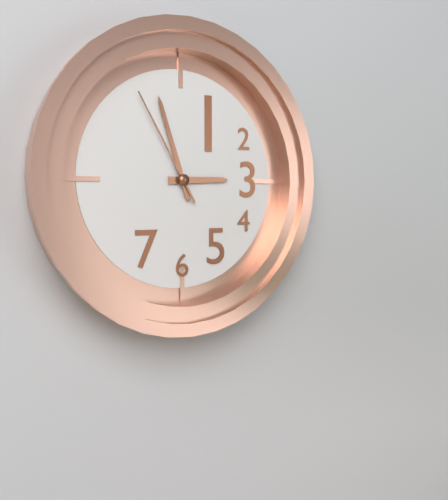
2:57:55
